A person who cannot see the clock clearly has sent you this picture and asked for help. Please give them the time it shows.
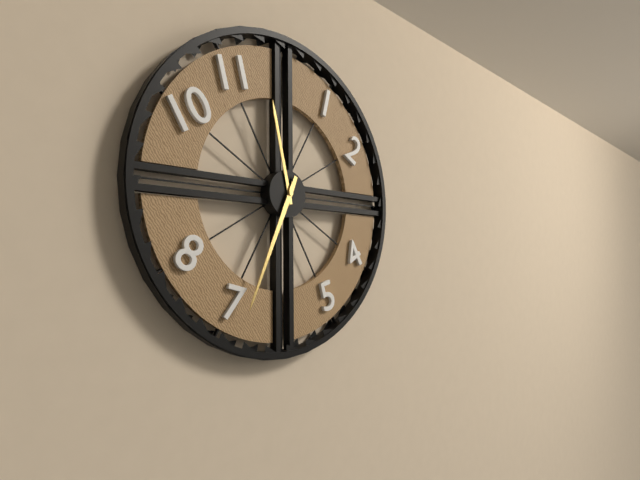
11:34
